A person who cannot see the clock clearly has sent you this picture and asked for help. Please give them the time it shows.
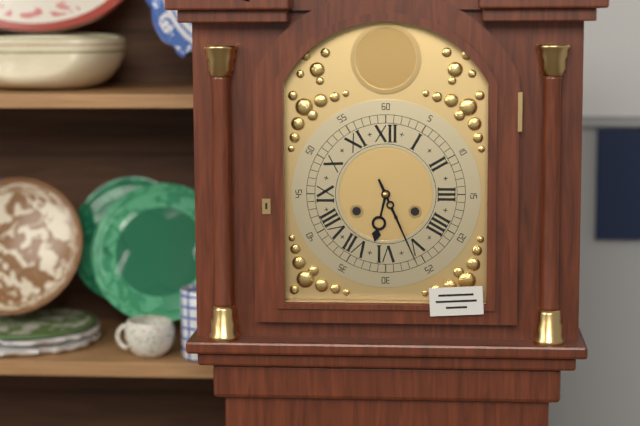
6:26
